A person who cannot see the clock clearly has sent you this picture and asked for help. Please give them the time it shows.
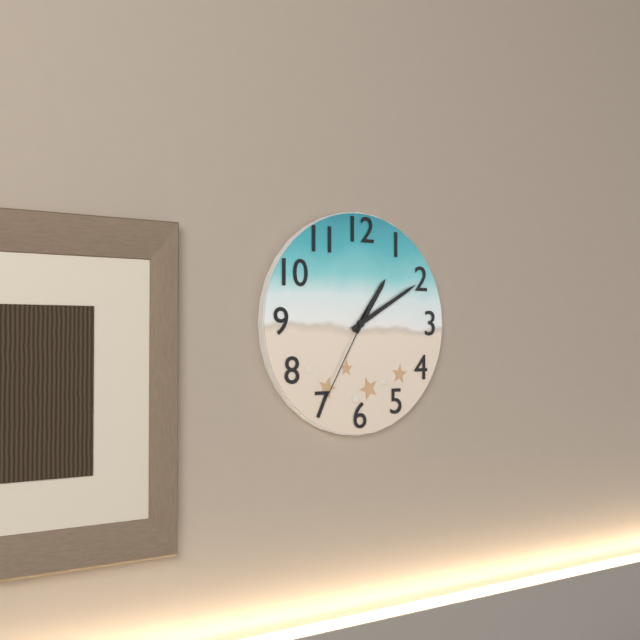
1:10:35
